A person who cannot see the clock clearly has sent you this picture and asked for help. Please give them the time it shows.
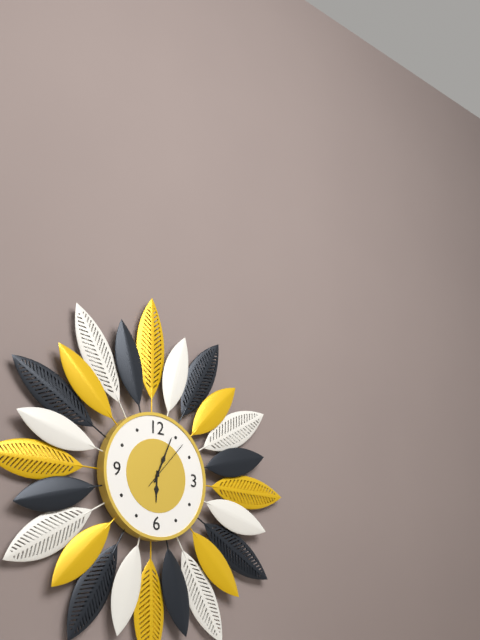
6:04:07
